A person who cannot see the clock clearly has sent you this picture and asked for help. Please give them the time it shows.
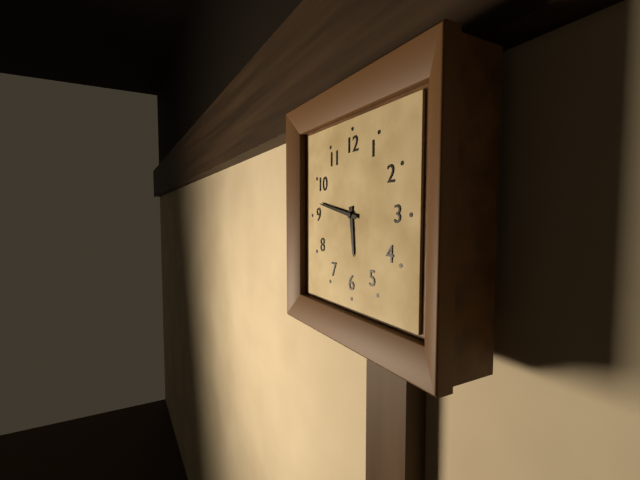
5:47
